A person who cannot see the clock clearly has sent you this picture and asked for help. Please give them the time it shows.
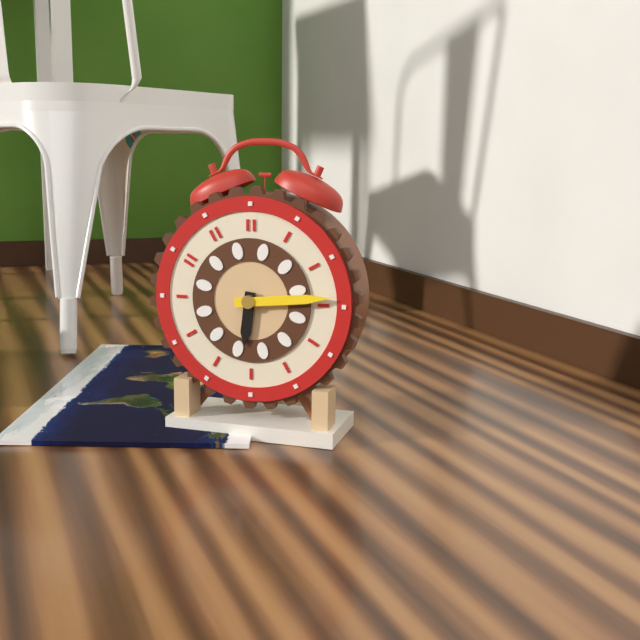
6:14
